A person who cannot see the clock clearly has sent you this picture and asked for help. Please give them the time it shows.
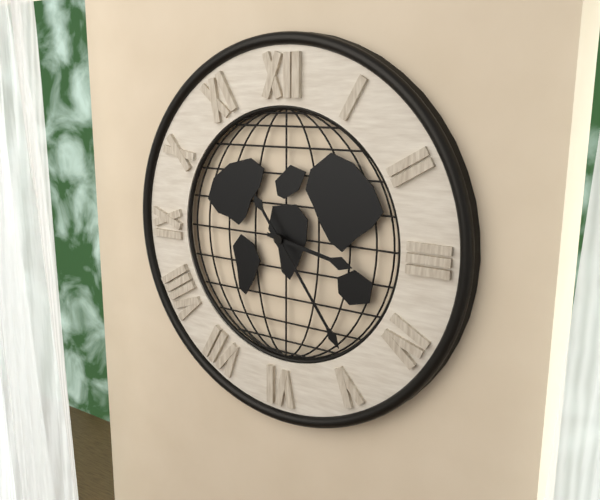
3:24
